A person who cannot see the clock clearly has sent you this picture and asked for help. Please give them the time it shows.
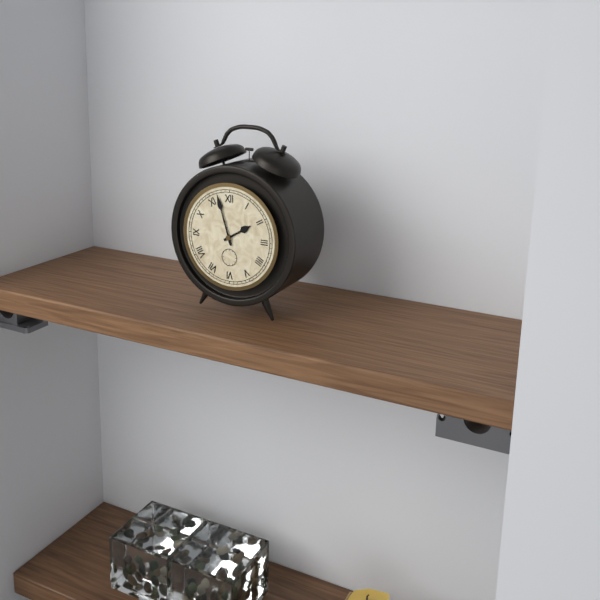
1:57
